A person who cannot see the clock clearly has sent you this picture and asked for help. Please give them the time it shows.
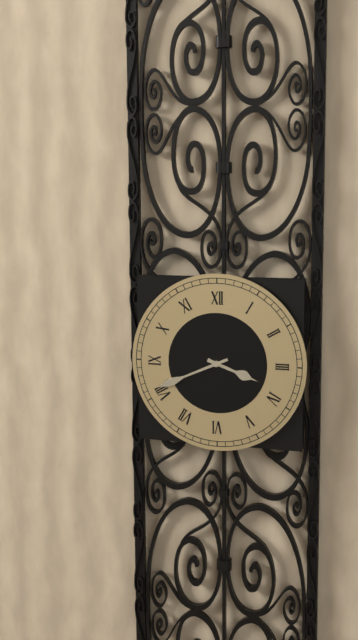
3:41
